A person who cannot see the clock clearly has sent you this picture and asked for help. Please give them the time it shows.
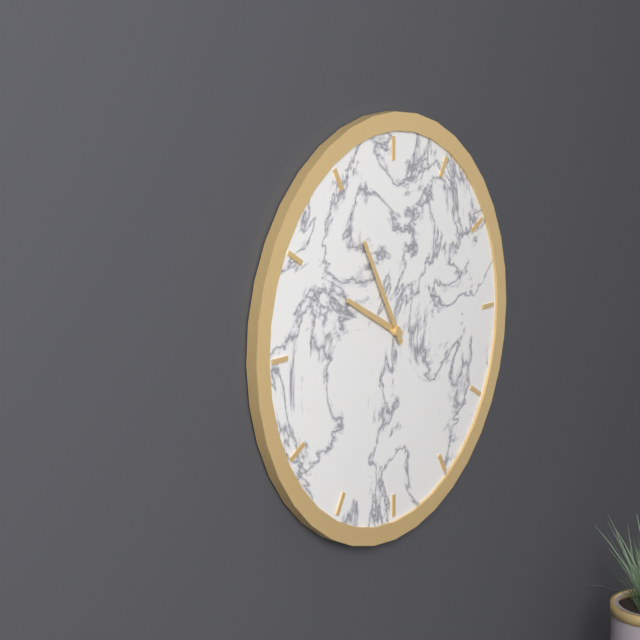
9:55
